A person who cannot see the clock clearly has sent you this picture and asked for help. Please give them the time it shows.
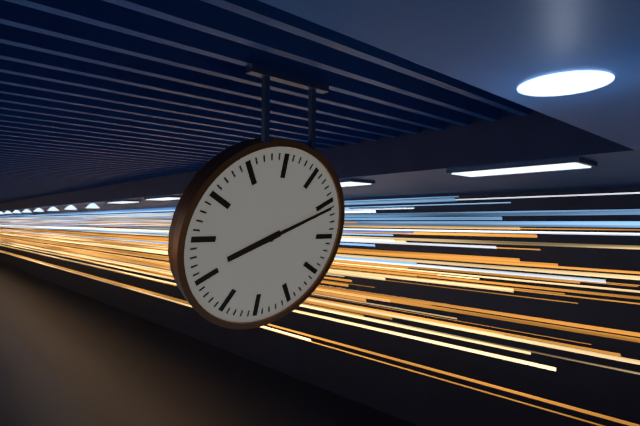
8:11
